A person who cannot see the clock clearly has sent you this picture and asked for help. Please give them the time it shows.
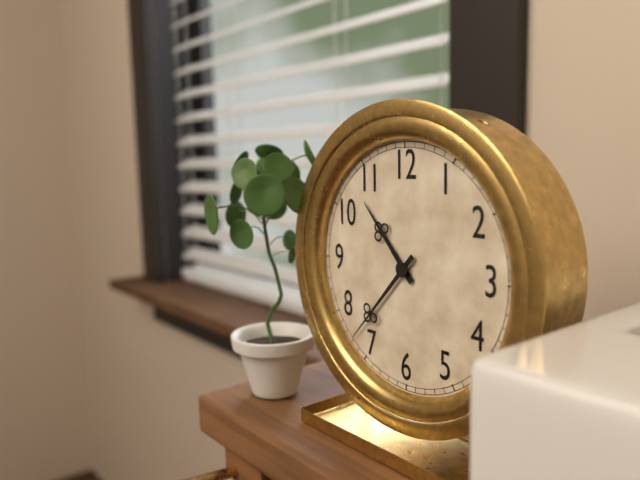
10:37
